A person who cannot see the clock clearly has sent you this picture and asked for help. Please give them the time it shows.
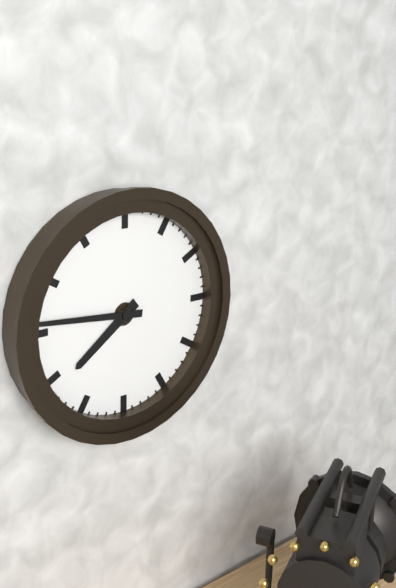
7:46
